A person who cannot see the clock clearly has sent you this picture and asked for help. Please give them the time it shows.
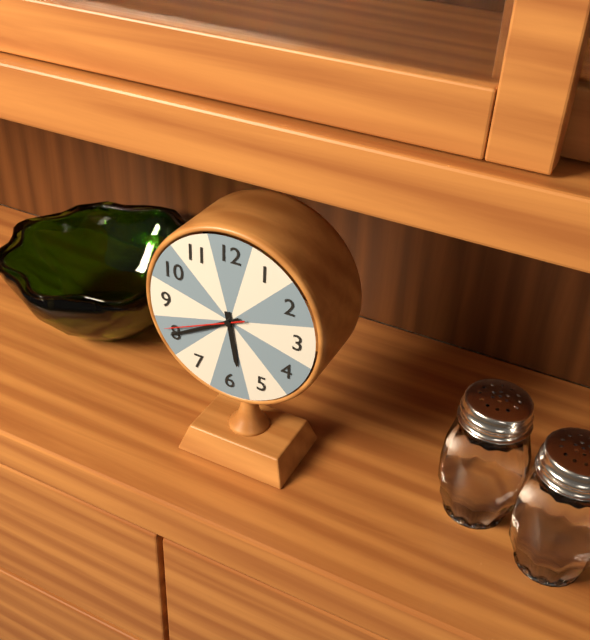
5:40:41
